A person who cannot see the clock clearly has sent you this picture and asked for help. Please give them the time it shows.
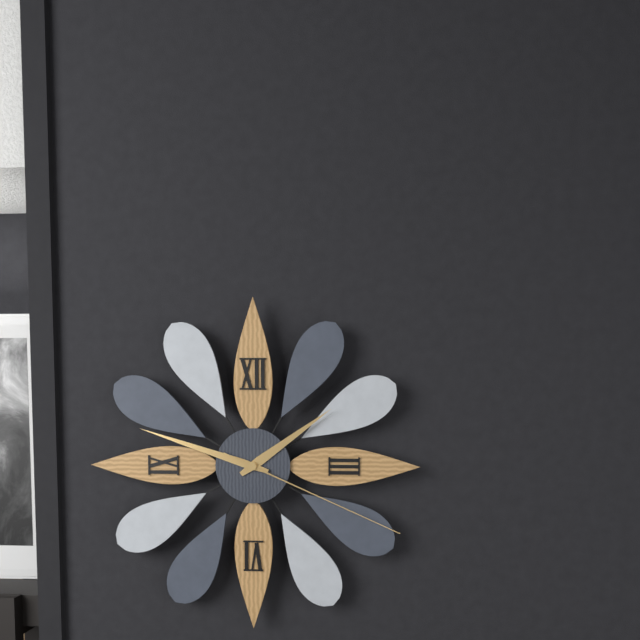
1:48:19
